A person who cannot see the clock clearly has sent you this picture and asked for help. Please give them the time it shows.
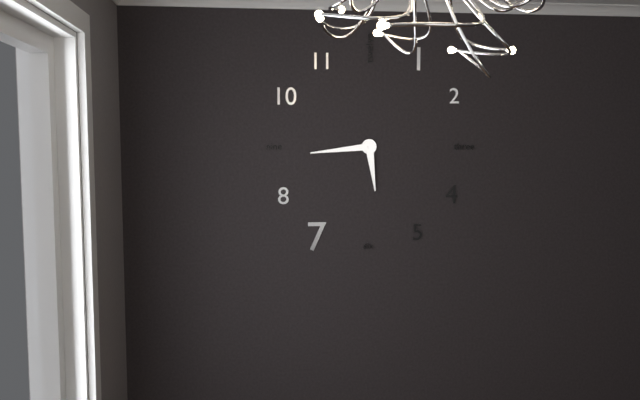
5:44
